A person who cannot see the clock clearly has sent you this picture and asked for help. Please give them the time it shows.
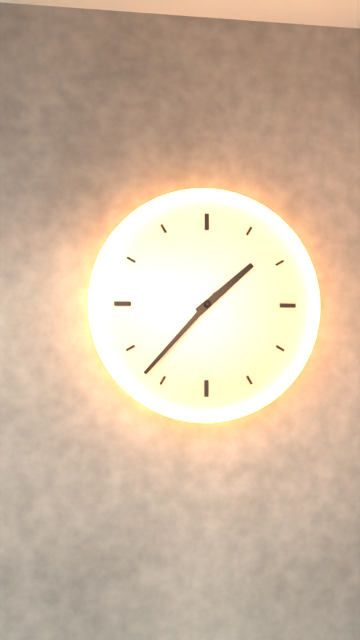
1:37
